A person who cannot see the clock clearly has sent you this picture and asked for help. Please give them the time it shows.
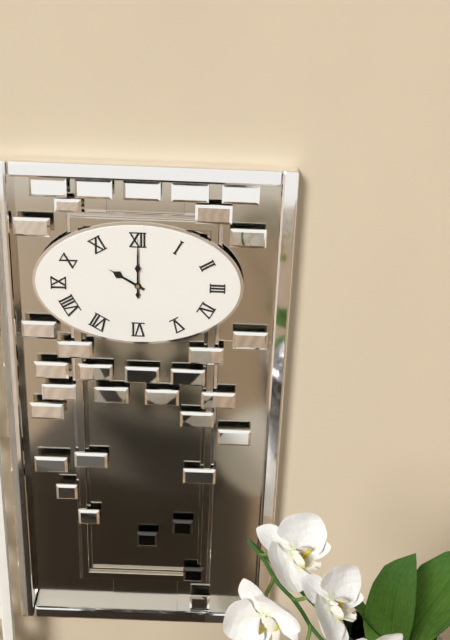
10:00
